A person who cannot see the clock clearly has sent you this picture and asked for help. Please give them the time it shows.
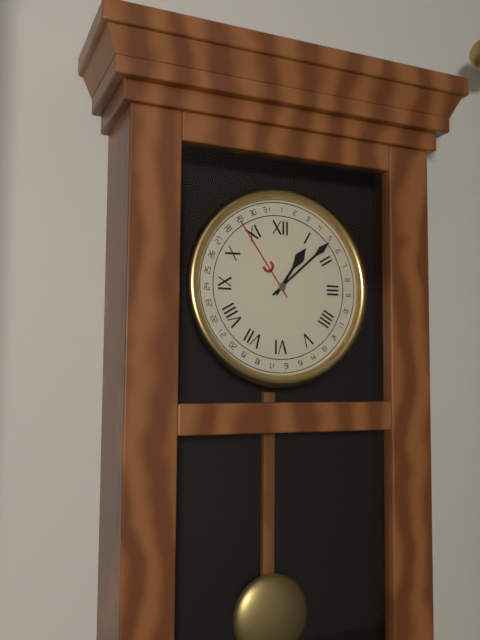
1:08
